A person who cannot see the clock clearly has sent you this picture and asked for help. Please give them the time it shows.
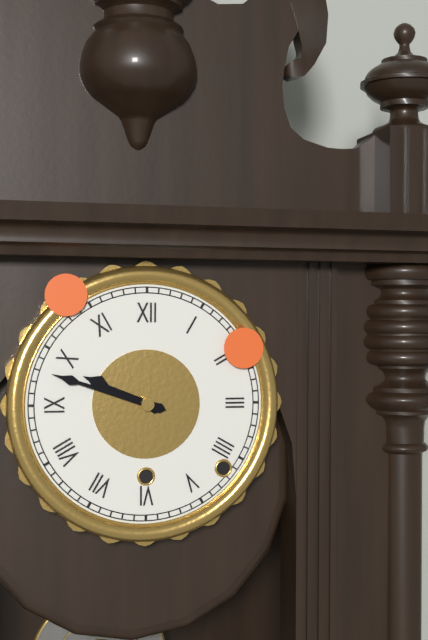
9:48
